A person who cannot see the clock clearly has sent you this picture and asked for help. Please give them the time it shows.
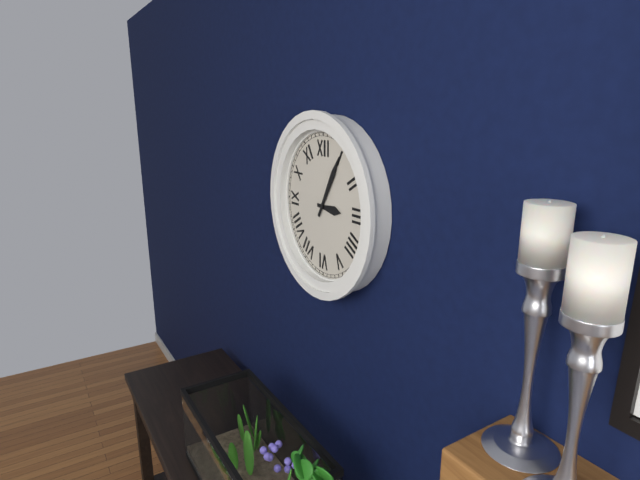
3:05
